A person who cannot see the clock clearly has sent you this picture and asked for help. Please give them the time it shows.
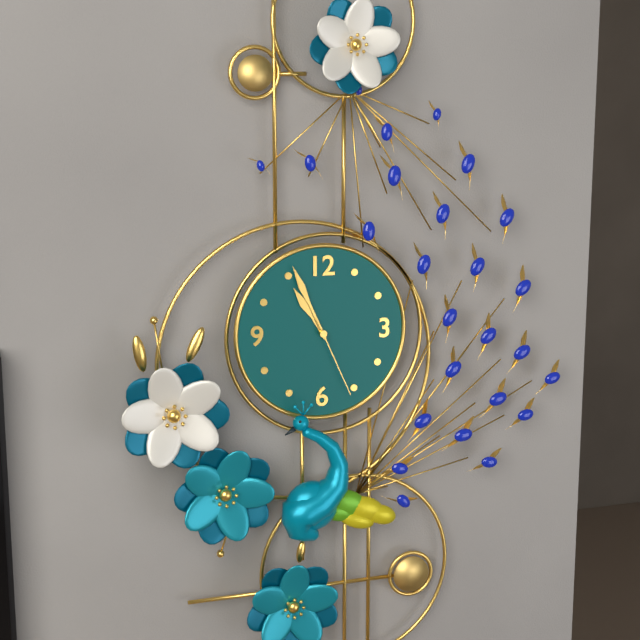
10:56:26
